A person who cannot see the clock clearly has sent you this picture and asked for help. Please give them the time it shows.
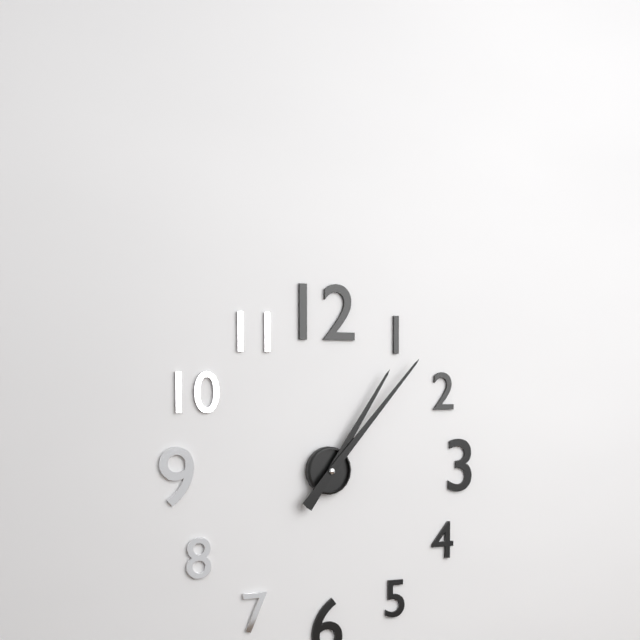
1:07
